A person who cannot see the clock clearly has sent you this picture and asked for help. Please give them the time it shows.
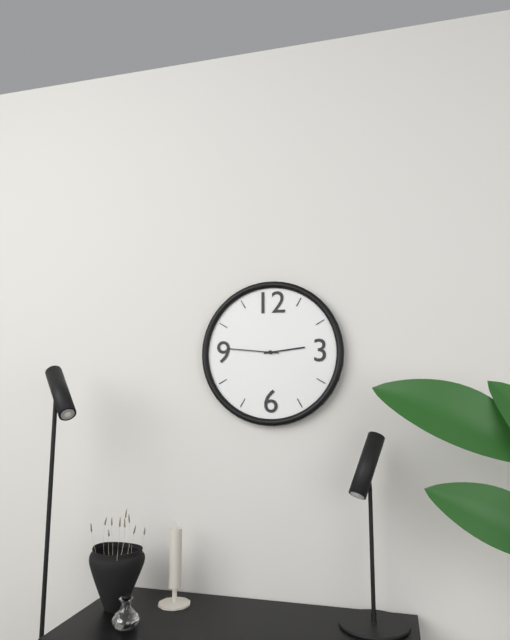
2:46
